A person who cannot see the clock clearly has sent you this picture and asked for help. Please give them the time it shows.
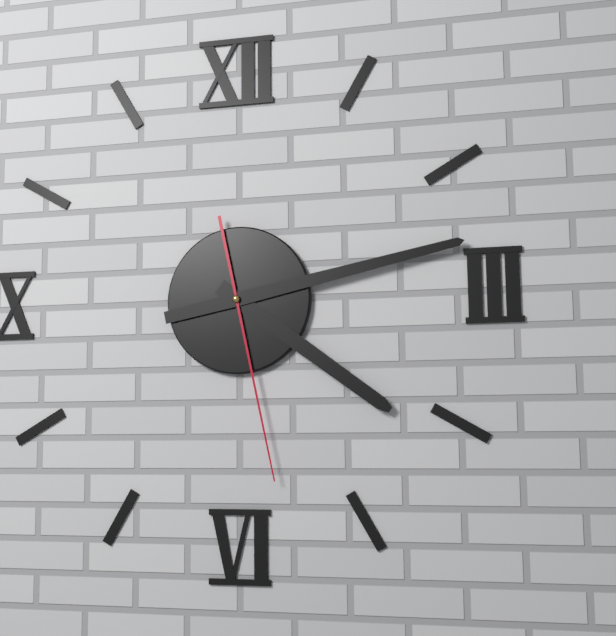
4:13:28
